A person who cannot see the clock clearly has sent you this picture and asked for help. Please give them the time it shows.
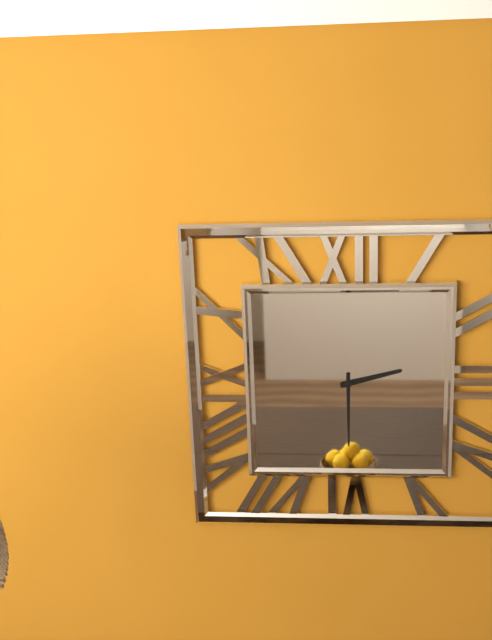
2:30
